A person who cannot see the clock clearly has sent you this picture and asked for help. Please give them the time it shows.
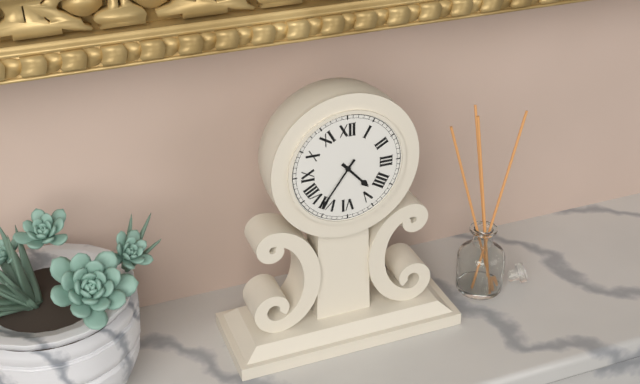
4:36
